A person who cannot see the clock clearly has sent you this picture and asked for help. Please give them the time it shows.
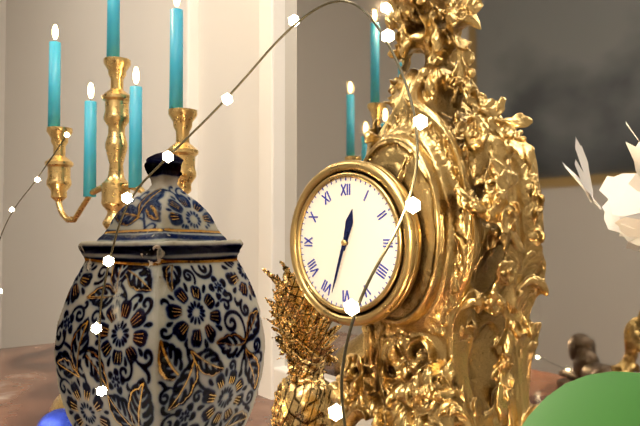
12:33
